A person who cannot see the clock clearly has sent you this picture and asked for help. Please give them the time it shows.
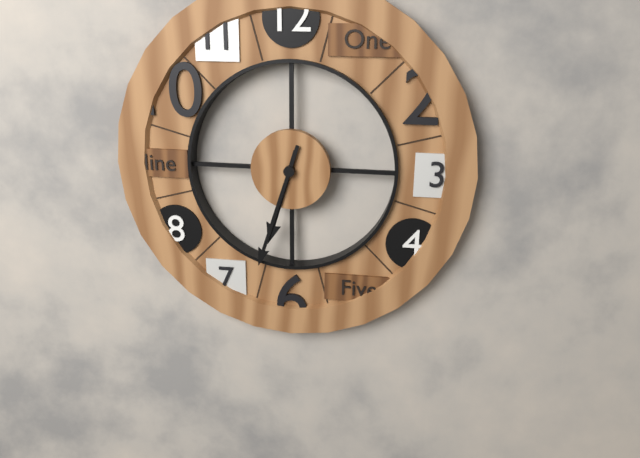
6:33
